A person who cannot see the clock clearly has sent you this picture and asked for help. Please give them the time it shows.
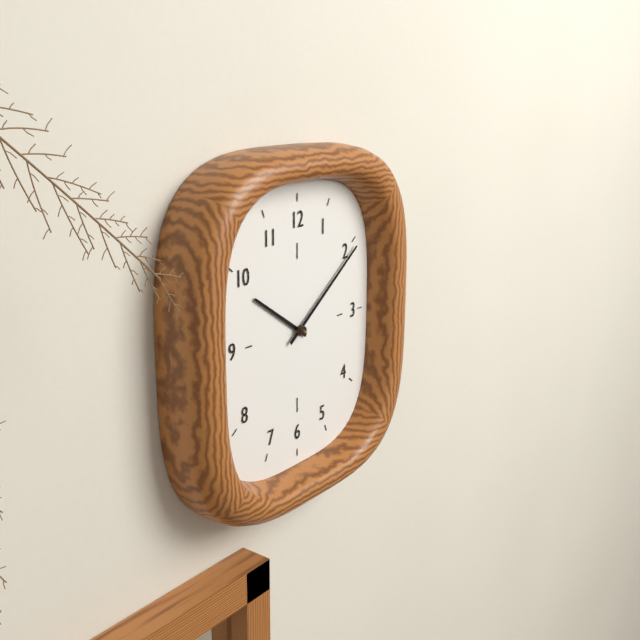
10:09
